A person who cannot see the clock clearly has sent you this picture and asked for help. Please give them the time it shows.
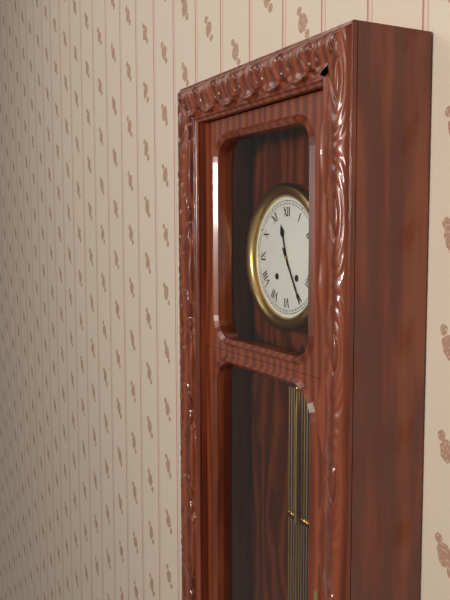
11:25
